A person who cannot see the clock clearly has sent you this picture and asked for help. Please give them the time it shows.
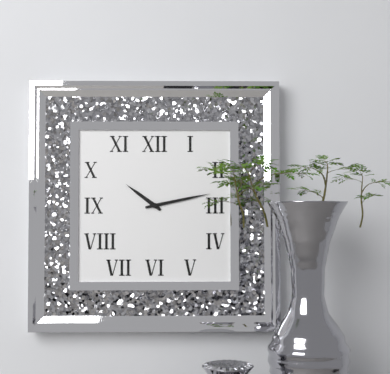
10:13
